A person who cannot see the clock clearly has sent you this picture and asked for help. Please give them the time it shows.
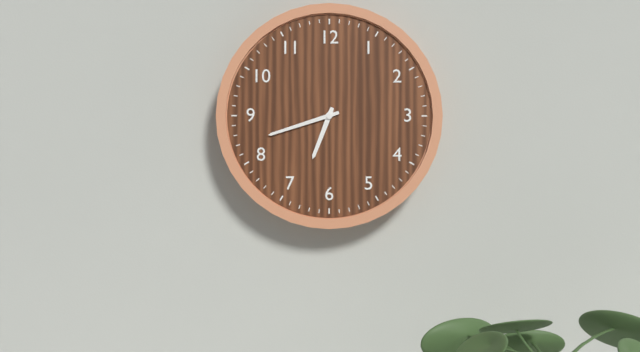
6:42
